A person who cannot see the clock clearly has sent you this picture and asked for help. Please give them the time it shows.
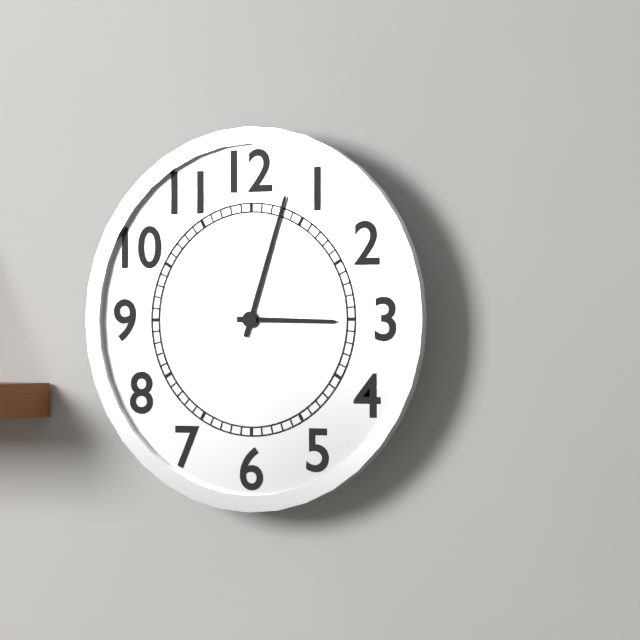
3:03
